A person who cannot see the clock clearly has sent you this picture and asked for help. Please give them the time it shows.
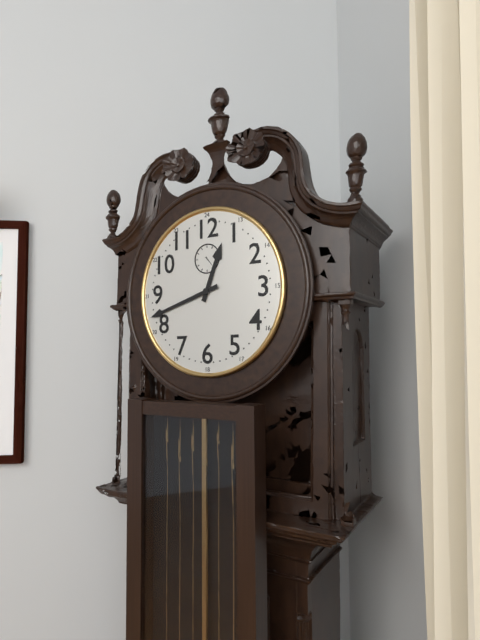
12:42
